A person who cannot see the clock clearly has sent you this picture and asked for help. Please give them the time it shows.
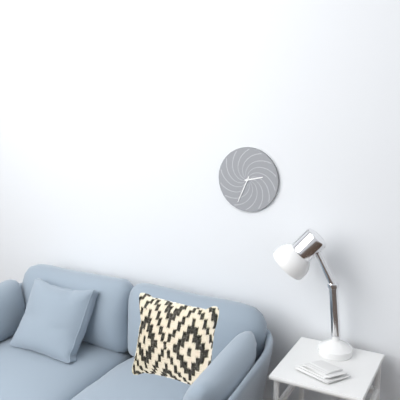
2:34
